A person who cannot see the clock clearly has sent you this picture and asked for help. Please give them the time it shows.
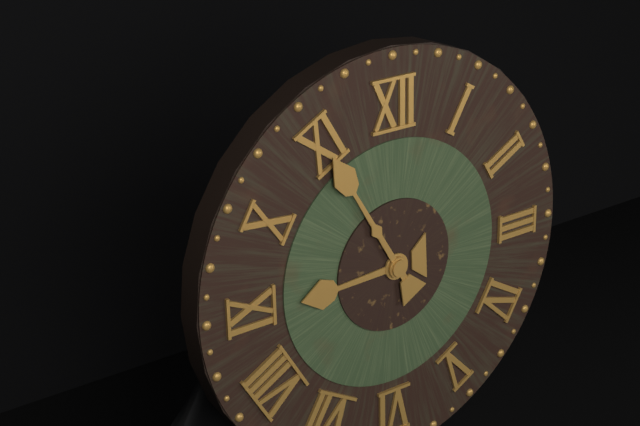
8:55
